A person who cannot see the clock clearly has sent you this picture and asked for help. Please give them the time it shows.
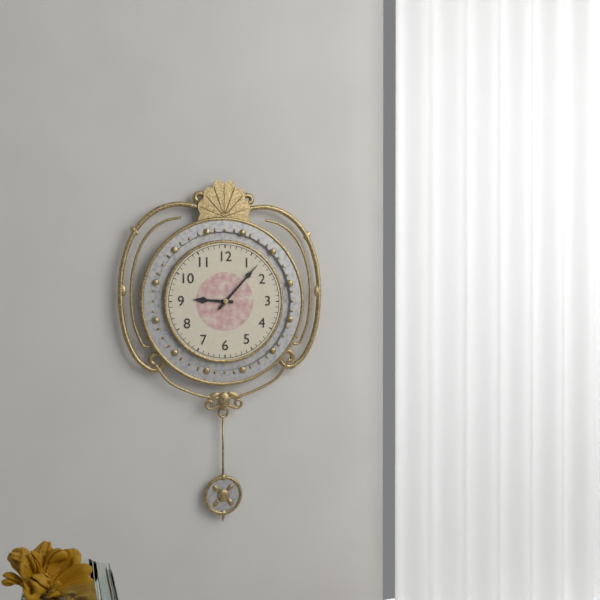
9:07
